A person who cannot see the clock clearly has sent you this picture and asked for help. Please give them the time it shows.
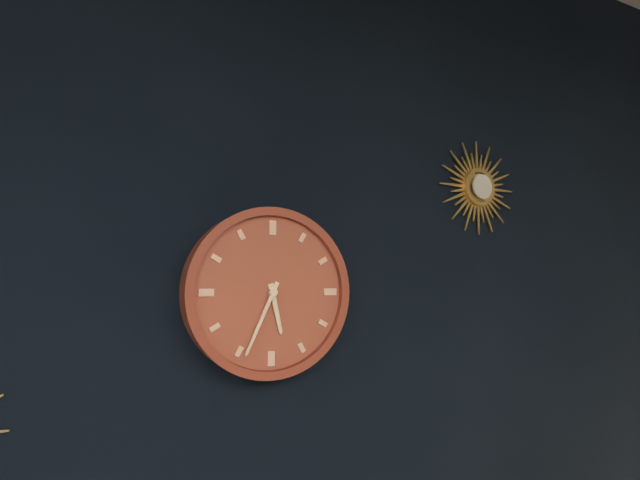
5:34
